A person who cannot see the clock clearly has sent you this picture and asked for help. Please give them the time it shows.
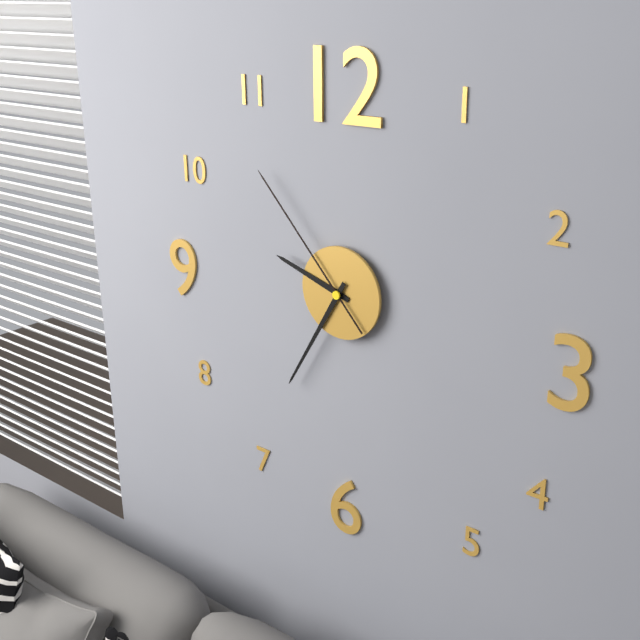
9:35:53
